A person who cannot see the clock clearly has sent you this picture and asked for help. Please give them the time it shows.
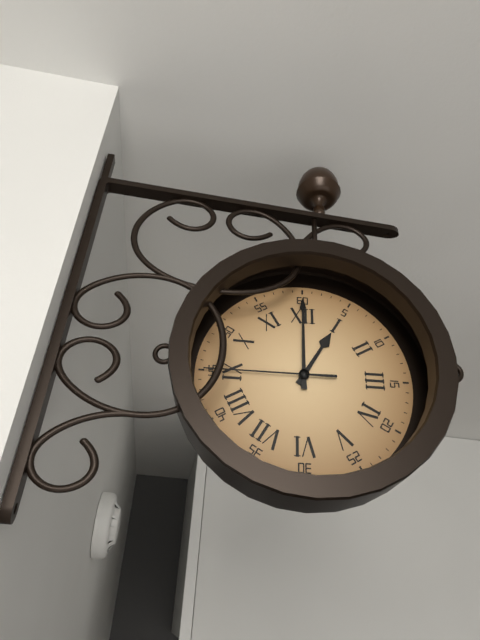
1:00:45
